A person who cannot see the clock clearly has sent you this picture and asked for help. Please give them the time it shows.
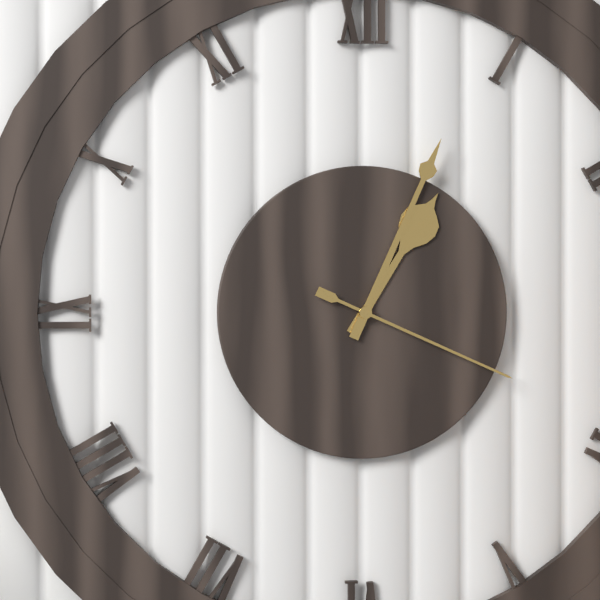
1:04:19
